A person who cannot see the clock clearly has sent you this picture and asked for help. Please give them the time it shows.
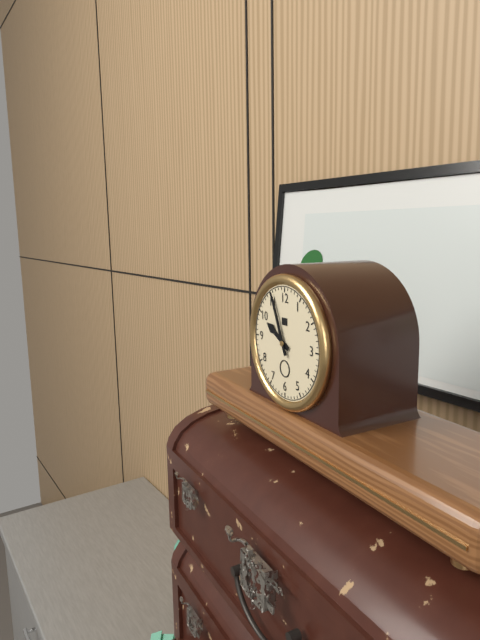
9:56
